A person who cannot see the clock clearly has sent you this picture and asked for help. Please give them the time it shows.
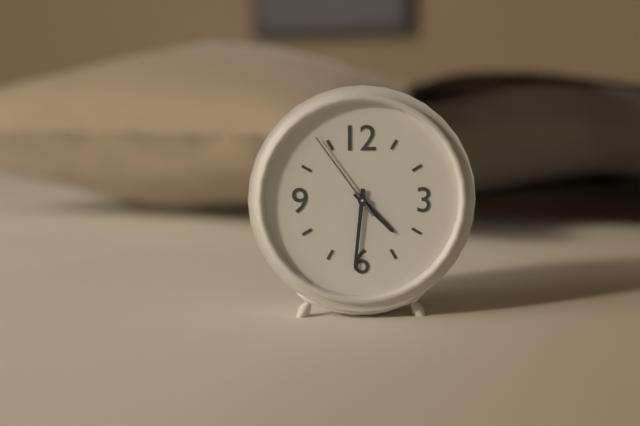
4:31:54
